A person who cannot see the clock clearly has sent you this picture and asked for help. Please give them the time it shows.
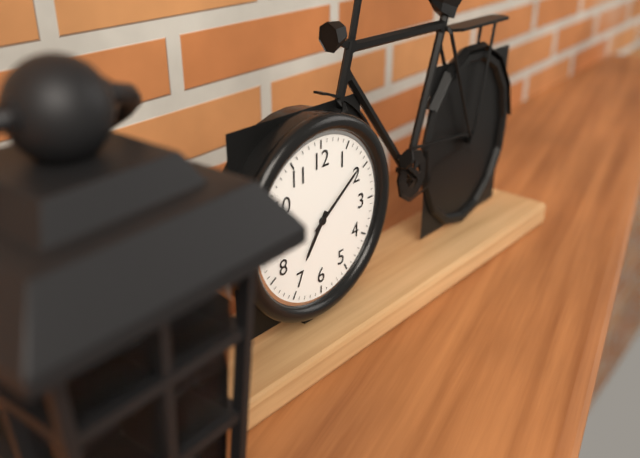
7:09
